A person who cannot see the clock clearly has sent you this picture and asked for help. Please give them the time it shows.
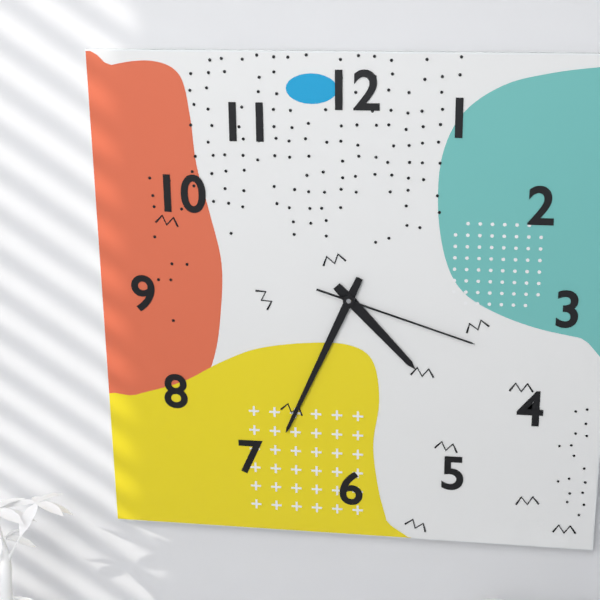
4:34:18
